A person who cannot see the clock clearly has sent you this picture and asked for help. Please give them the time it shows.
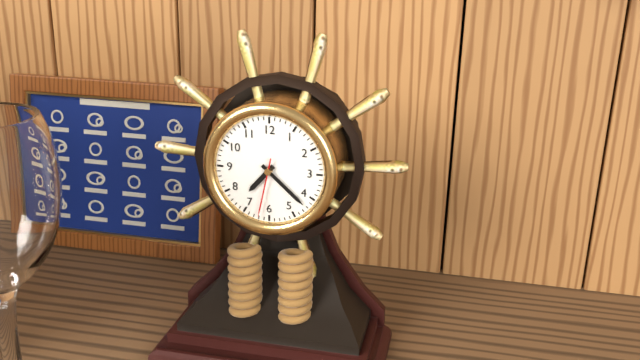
7:22:32
